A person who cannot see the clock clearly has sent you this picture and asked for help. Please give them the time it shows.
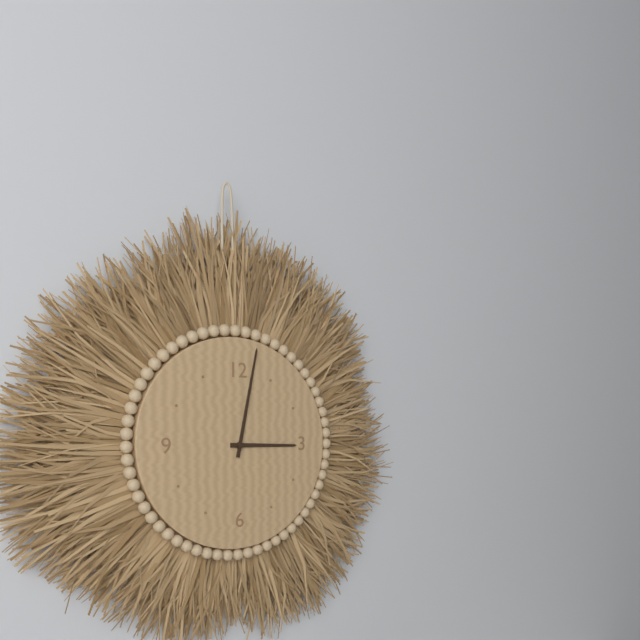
3:02
